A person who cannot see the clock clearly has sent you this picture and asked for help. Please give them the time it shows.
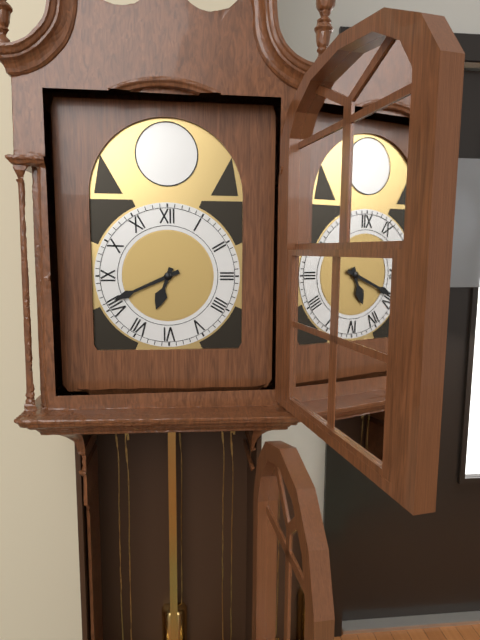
6:41
